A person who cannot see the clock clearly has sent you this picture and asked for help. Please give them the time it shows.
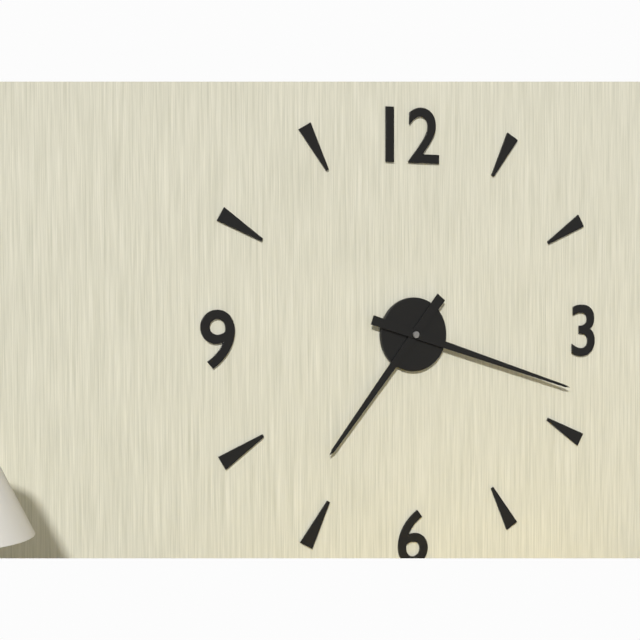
7:18
